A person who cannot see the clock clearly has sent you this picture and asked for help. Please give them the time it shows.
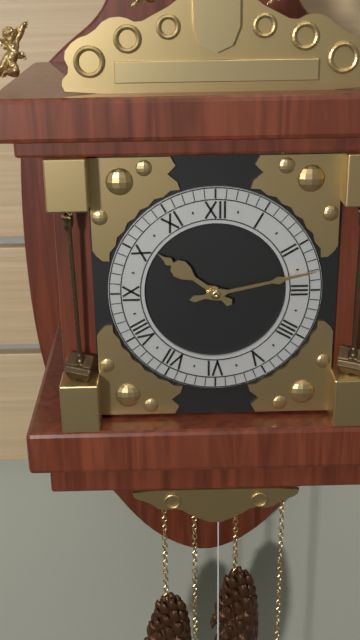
10:13
